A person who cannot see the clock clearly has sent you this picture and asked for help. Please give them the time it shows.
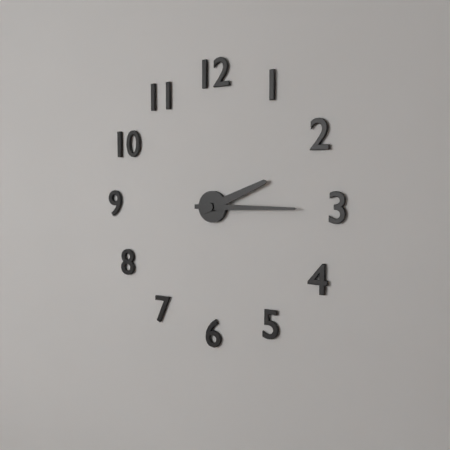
2:15
